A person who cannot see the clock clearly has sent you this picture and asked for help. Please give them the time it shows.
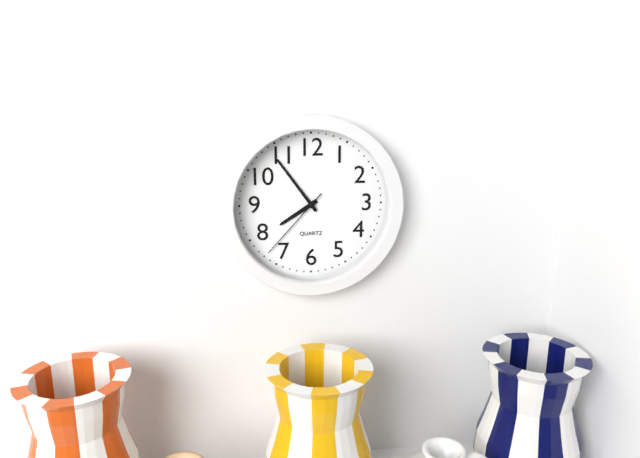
7:54:37
